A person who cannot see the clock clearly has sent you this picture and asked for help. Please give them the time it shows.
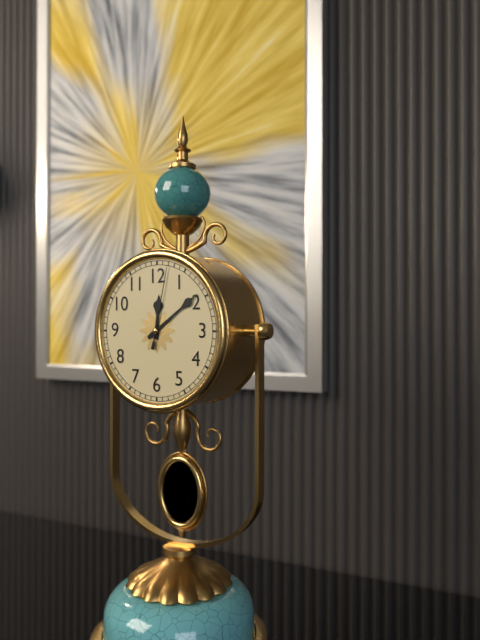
12:09:02
